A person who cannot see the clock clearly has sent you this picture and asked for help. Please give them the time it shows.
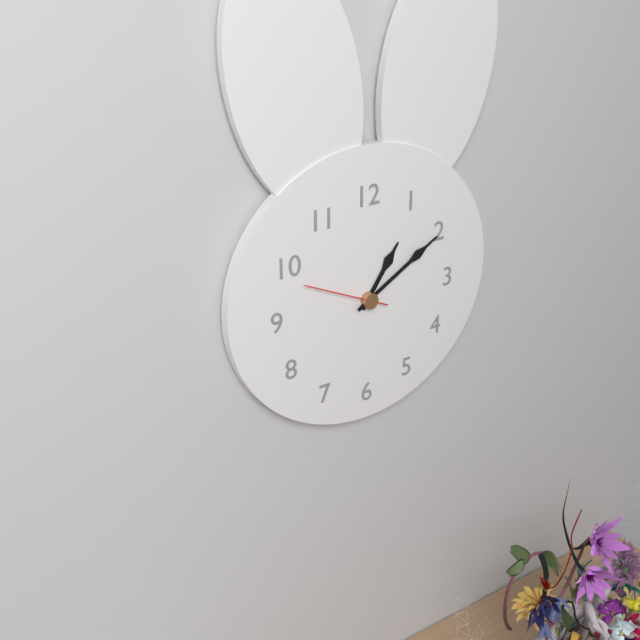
1:10:49
